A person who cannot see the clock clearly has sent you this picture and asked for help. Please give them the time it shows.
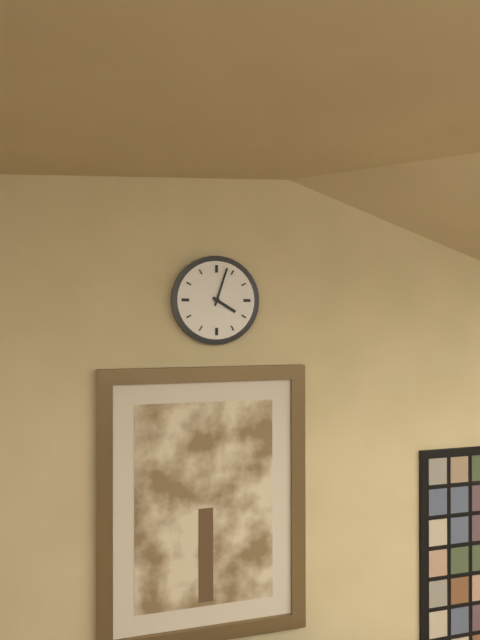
4:03
